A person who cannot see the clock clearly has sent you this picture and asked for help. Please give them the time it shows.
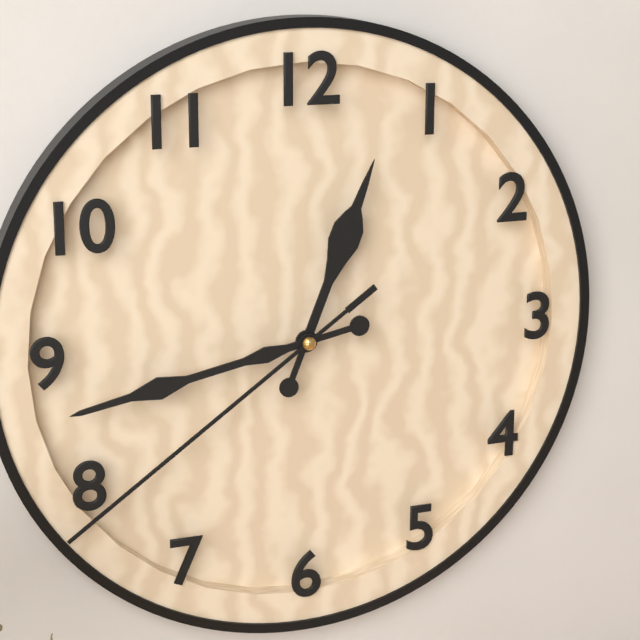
12:43:39
